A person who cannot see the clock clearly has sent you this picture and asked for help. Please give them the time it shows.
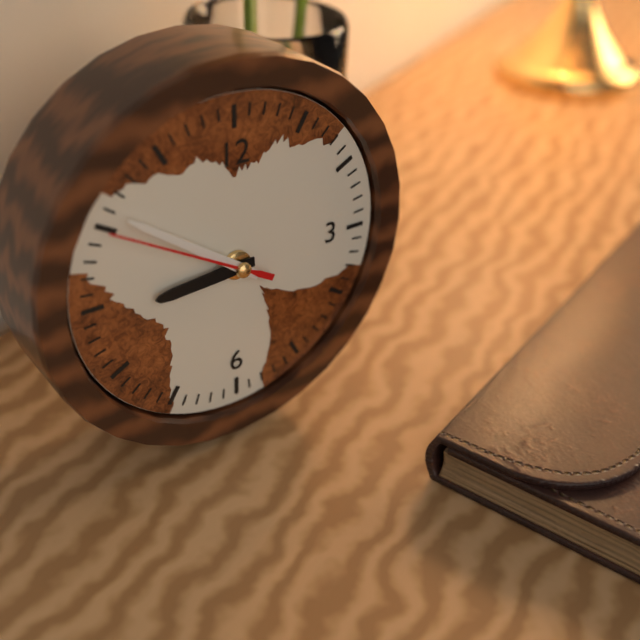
8:51:50
